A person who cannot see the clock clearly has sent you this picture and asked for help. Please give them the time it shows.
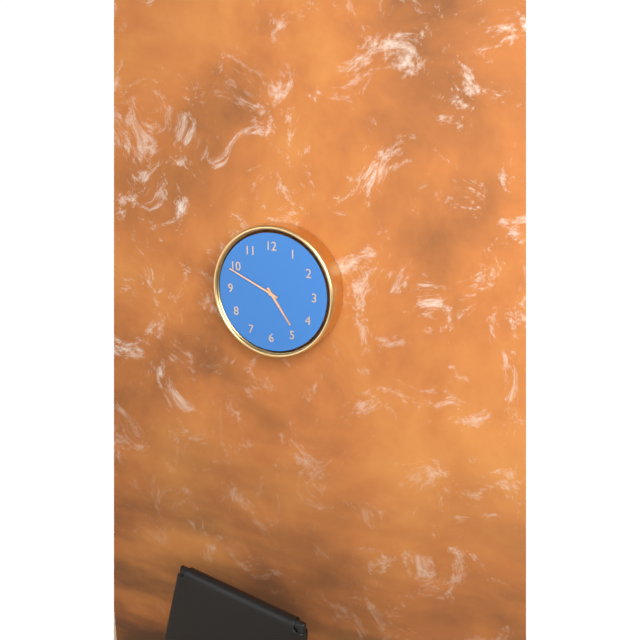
4:49
